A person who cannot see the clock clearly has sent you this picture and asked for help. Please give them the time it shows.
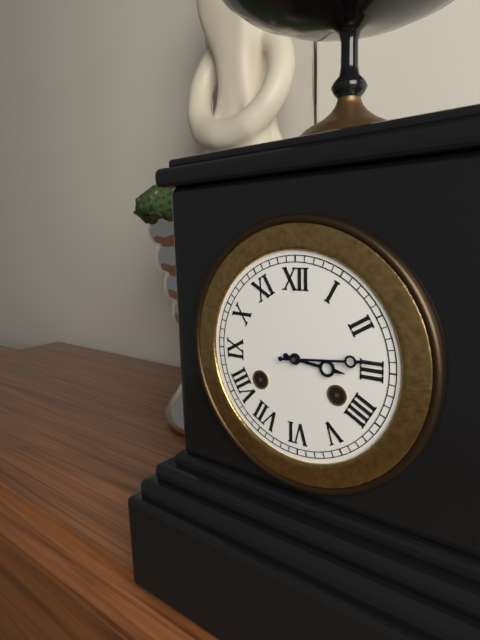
3:14
